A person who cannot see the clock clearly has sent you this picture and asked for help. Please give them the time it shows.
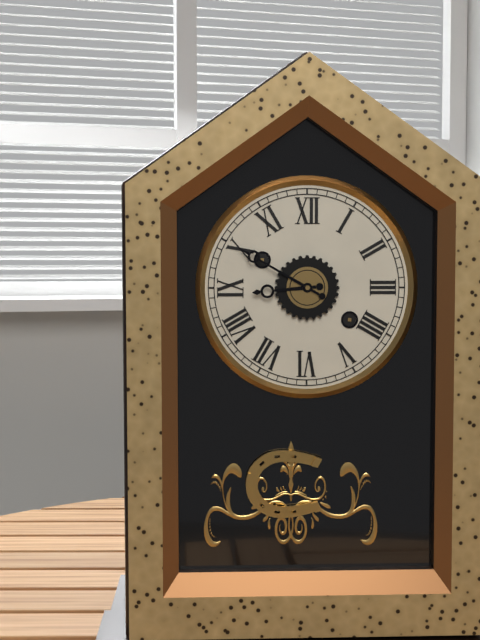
8:50
